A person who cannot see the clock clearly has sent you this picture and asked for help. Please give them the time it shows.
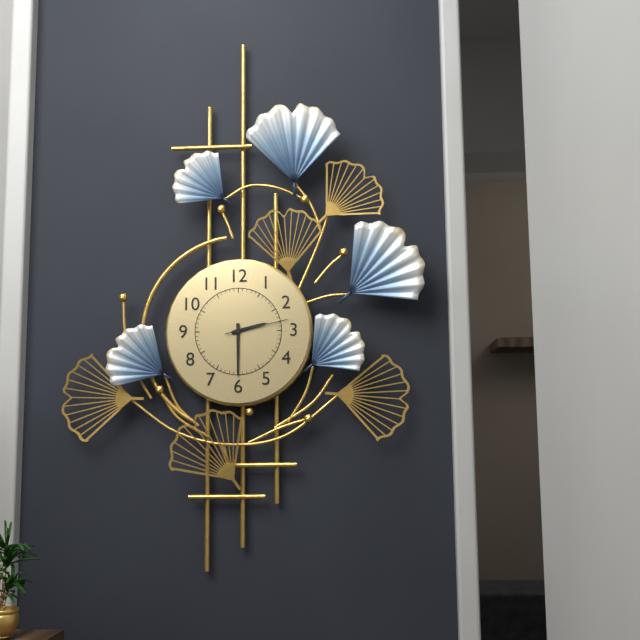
2:30:13
